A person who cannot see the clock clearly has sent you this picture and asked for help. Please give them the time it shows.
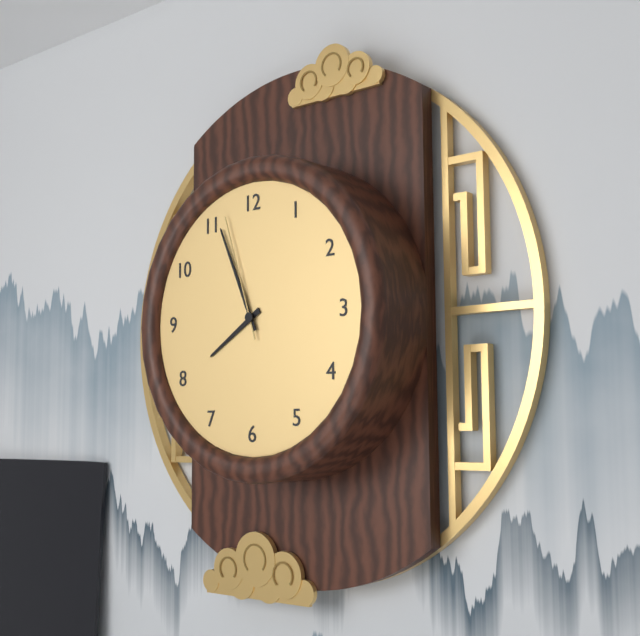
7:56:57
